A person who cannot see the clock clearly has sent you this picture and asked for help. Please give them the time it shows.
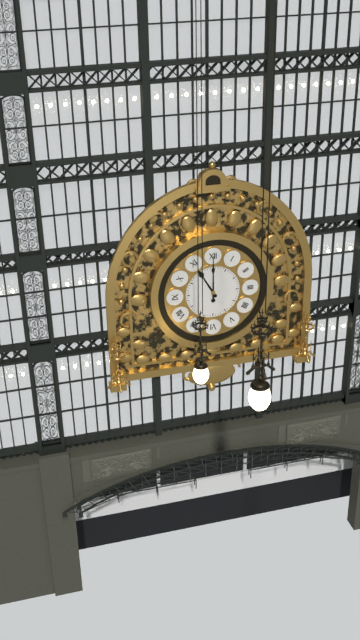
11:00
